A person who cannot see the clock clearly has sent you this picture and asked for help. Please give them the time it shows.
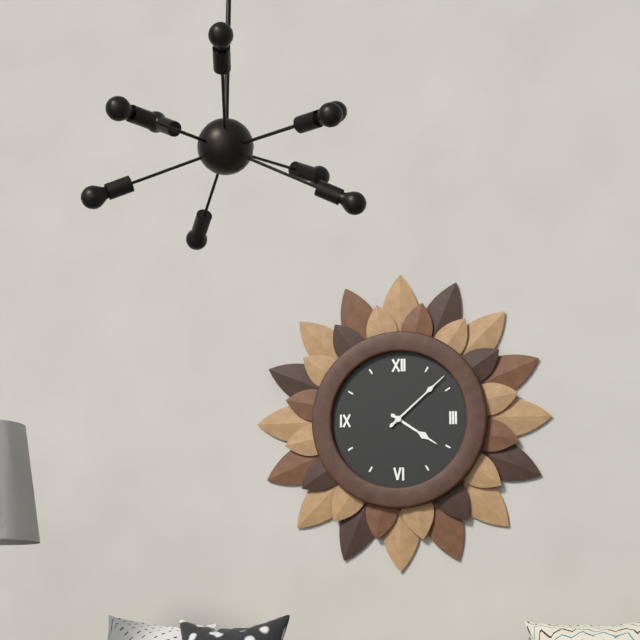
4:08
